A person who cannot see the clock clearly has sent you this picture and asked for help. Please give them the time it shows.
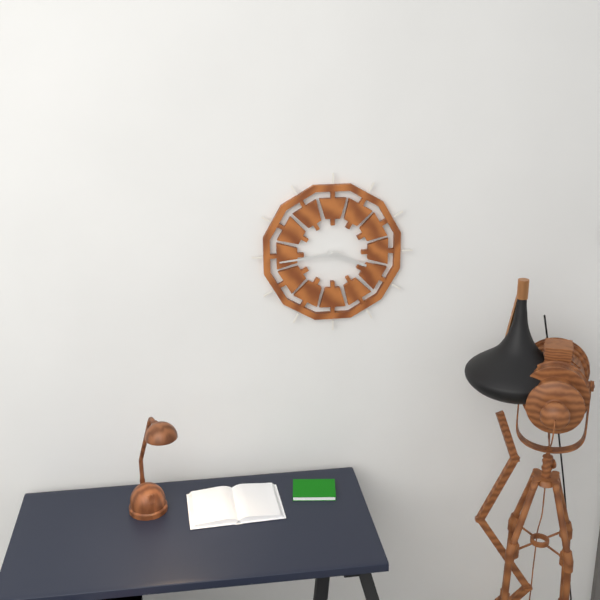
3:44
